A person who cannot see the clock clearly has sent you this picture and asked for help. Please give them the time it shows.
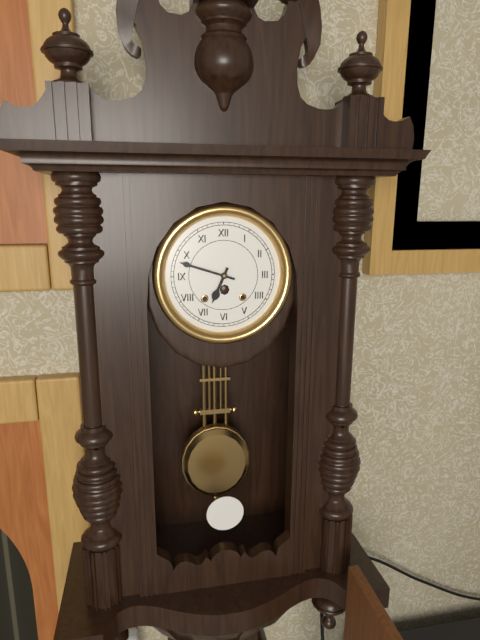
6:48
